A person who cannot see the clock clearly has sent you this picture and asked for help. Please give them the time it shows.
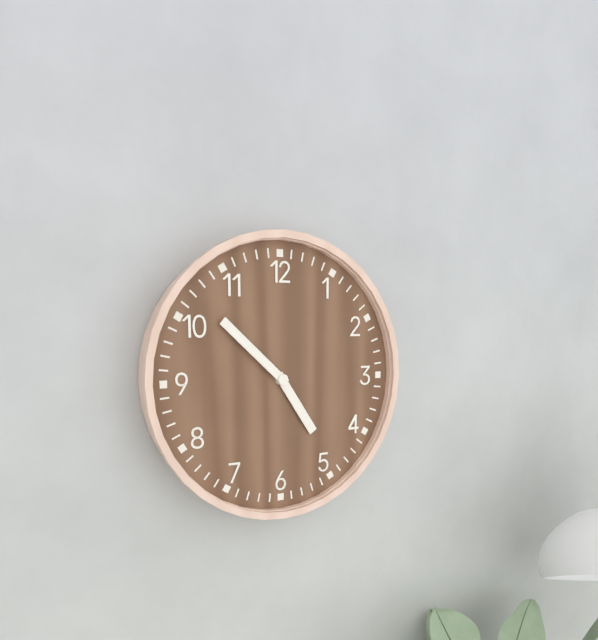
4:52
